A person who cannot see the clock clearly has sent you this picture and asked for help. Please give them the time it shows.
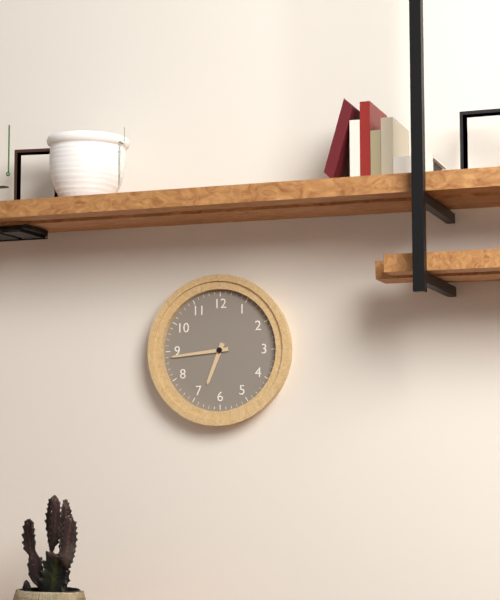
6:44
